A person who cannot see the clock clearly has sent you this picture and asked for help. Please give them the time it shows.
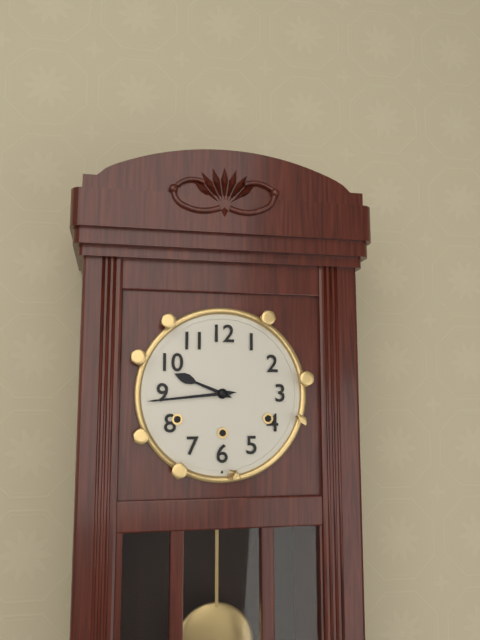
9:44
